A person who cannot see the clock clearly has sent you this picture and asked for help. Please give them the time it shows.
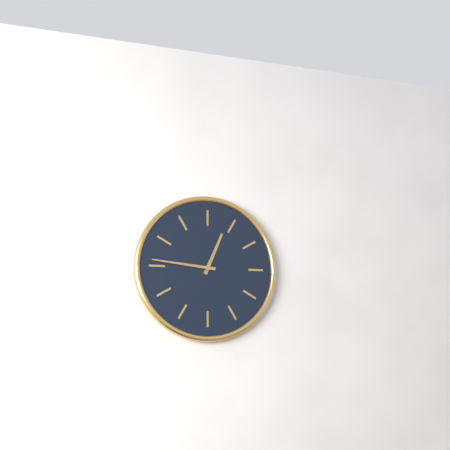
12:46
